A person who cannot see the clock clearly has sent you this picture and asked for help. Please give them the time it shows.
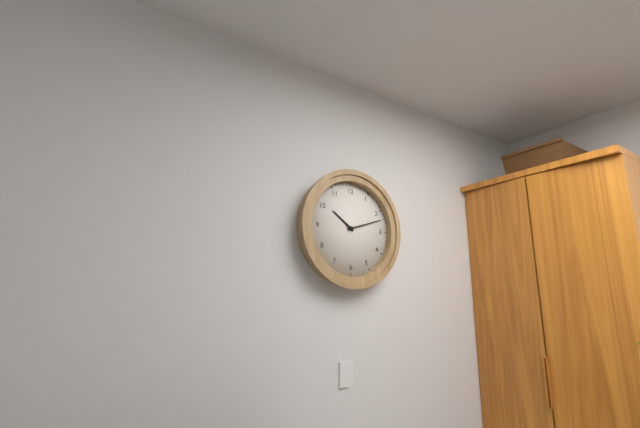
10:12
